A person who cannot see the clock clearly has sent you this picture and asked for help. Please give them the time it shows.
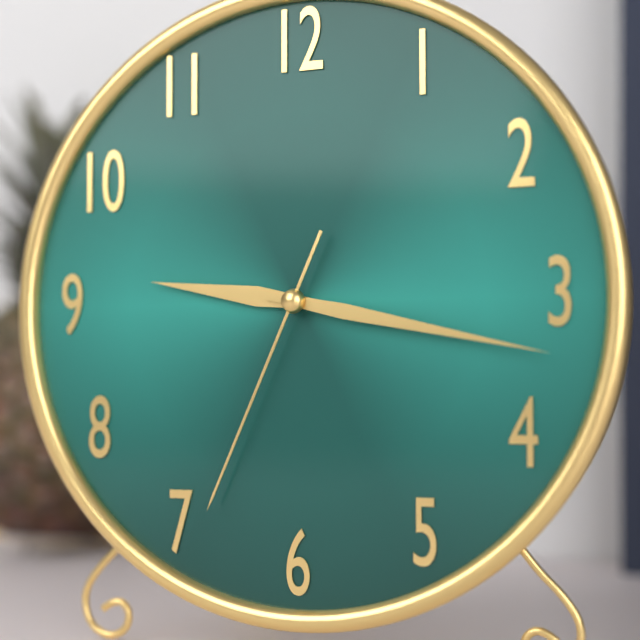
9:17:34
